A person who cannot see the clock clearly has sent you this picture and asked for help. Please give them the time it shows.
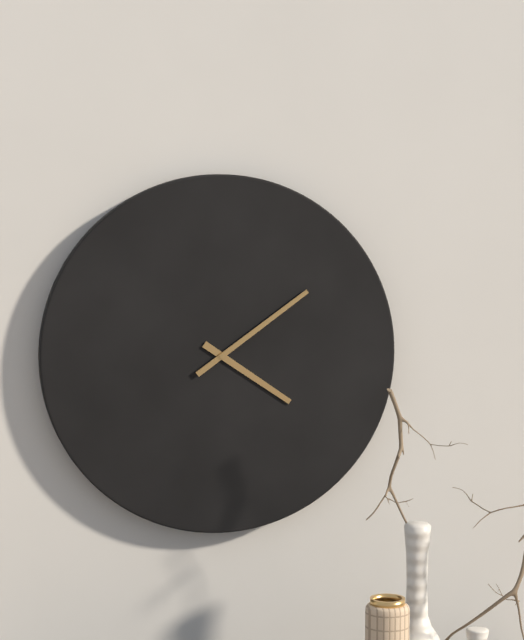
4:09
